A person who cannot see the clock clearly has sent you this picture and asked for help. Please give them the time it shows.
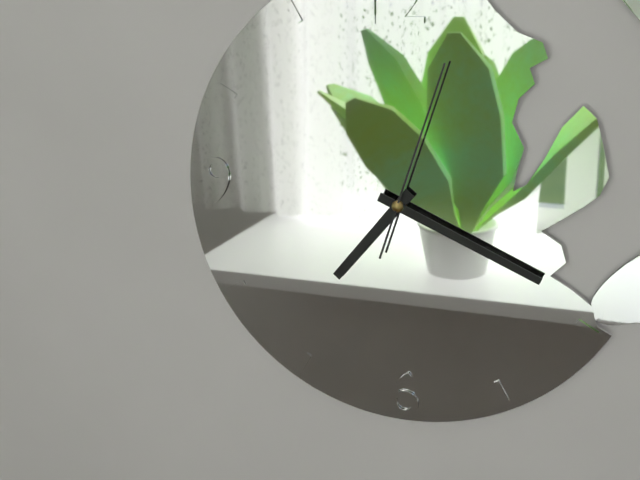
7:19:03
